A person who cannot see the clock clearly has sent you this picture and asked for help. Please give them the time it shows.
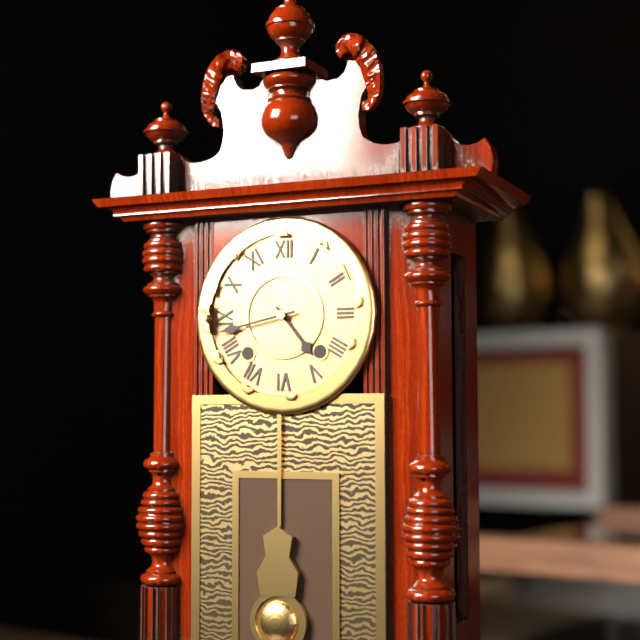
4:43
